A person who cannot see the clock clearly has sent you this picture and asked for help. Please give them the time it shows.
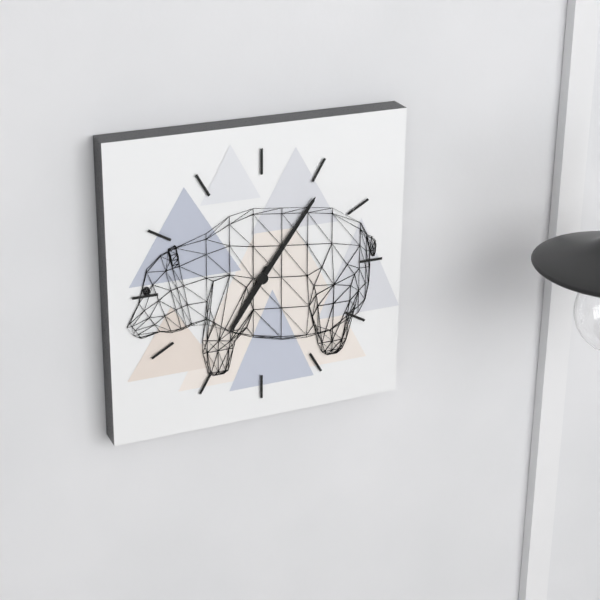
7:06
